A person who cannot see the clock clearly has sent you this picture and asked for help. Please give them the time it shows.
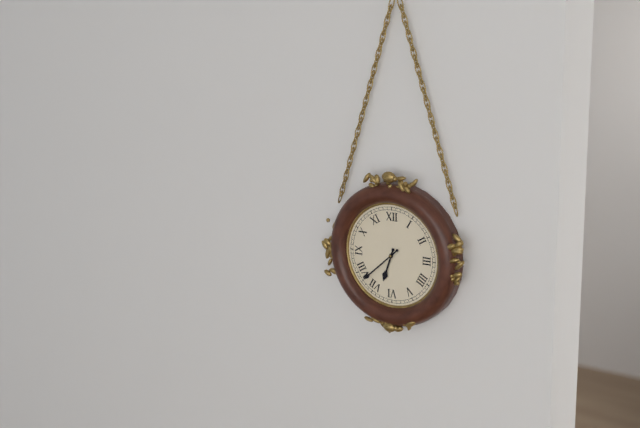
6:38
